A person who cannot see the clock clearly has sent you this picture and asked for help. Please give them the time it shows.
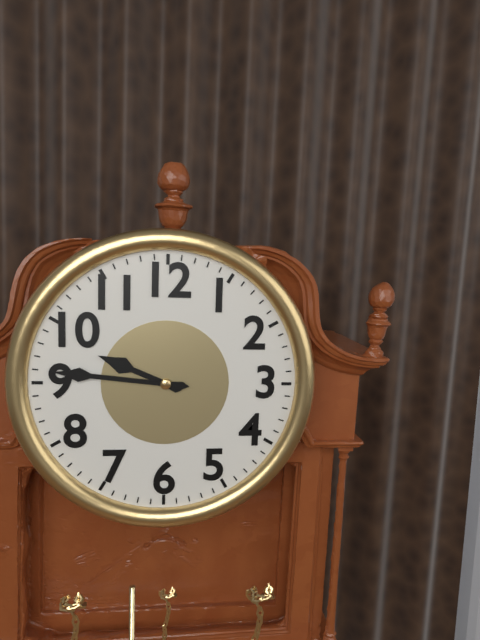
9:46
